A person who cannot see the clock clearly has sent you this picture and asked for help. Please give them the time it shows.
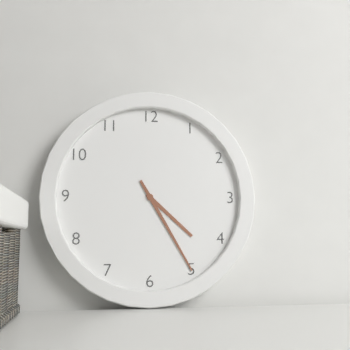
4:25
